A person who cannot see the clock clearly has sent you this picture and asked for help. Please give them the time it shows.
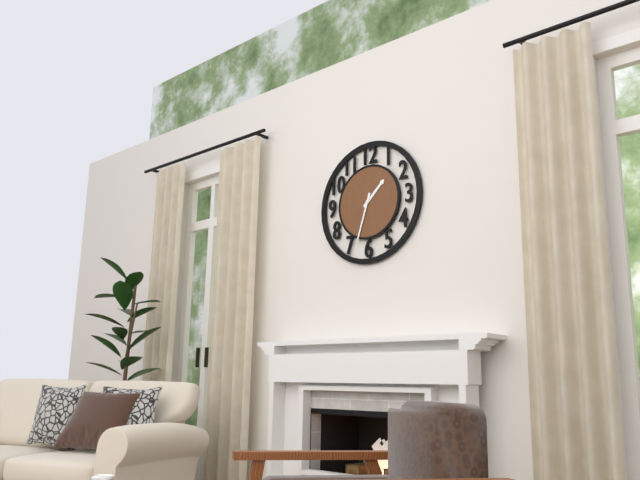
1:33
